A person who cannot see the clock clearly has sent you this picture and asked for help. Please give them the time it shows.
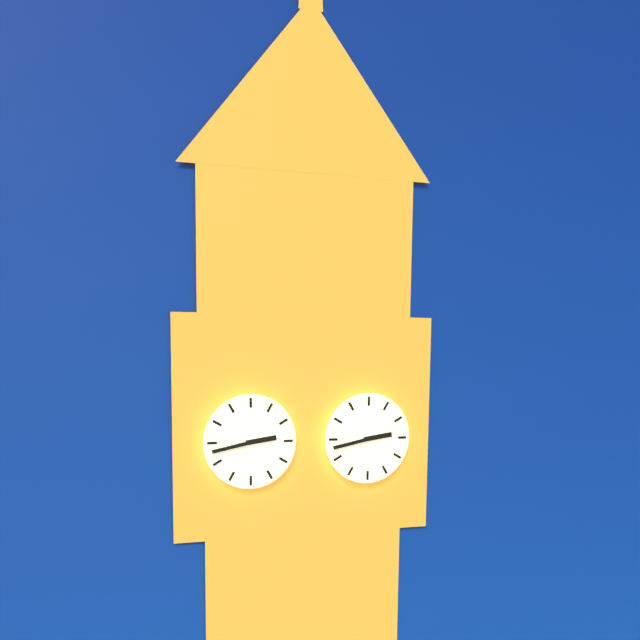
2:43
